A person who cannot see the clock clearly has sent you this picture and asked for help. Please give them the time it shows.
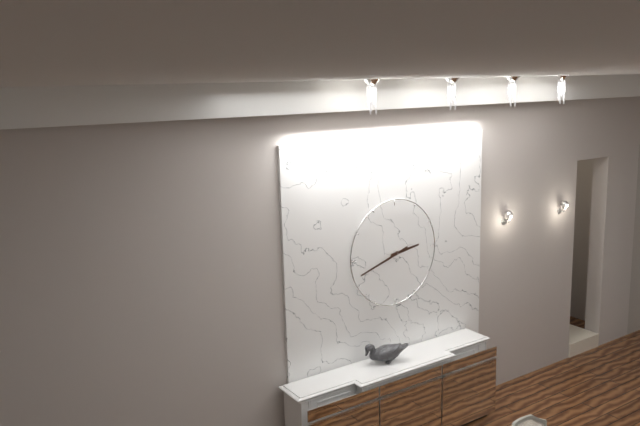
2:42
